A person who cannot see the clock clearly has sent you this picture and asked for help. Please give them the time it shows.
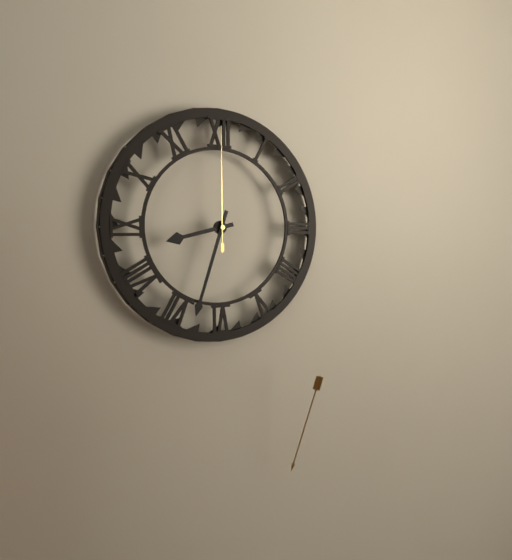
8:33:00
